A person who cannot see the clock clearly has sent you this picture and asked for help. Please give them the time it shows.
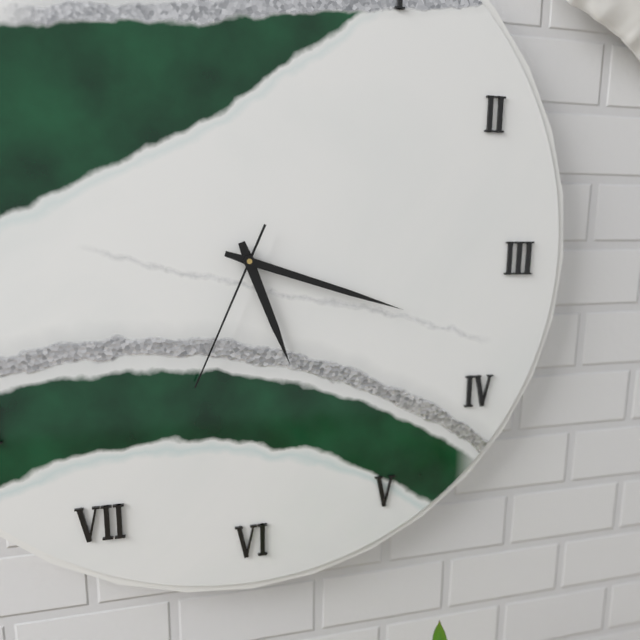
5:18:34
